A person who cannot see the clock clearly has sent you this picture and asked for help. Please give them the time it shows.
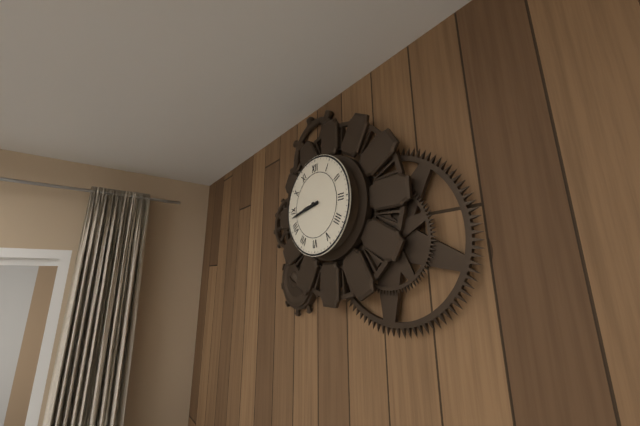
8:43
